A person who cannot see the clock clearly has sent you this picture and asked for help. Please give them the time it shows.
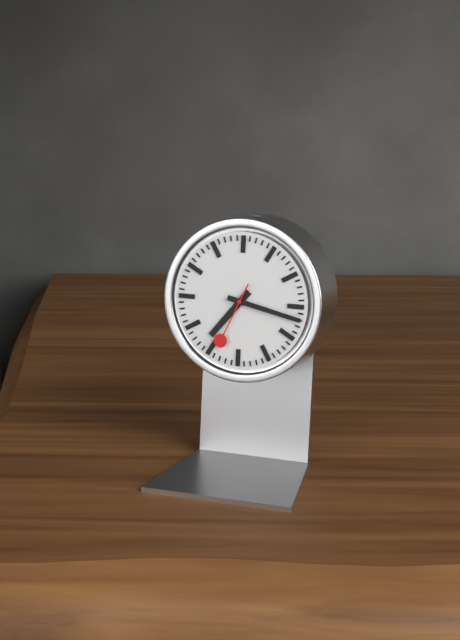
7:17:34
